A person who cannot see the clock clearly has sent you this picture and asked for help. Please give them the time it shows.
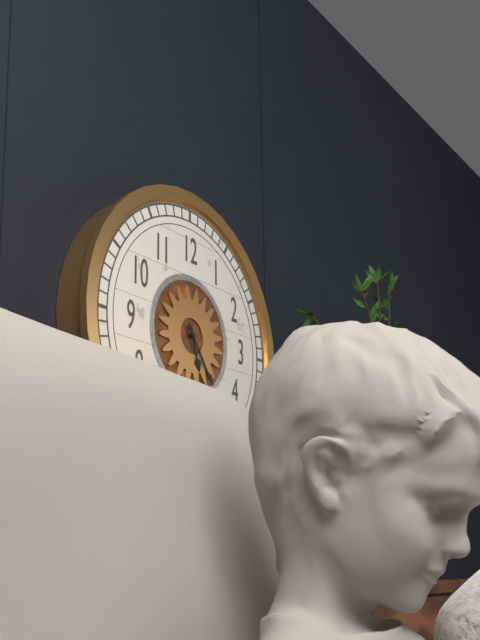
5:24
